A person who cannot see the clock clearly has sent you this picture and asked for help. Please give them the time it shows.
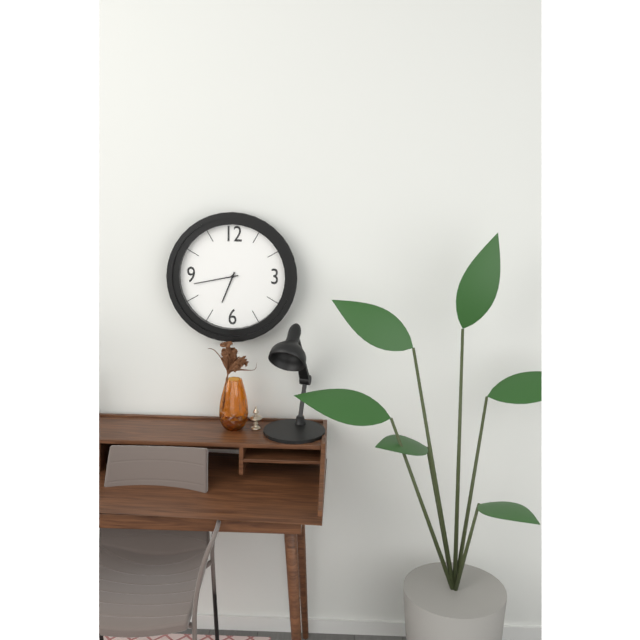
6:43
